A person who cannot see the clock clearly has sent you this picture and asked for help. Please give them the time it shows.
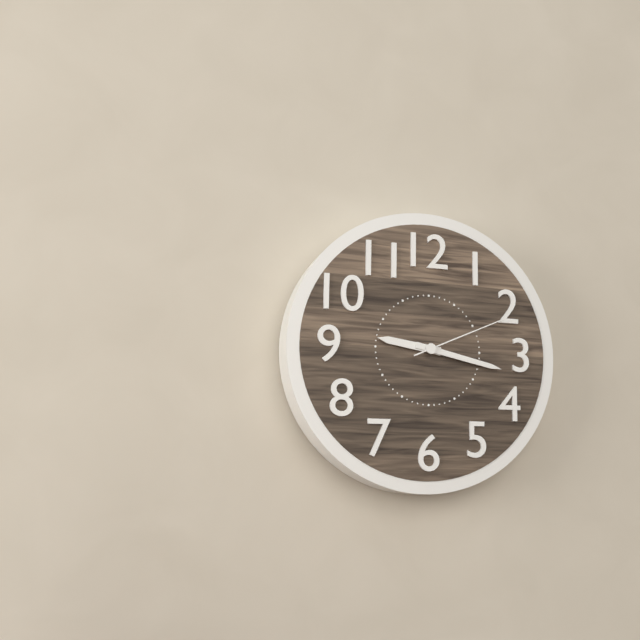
9:17:11
